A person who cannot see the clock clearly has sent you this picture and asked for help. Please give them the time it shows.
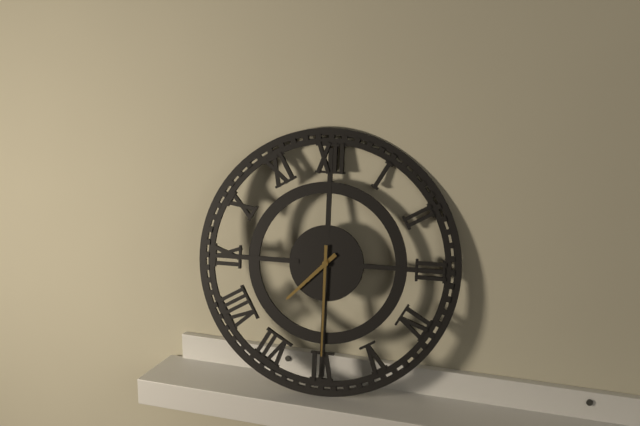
7:30
